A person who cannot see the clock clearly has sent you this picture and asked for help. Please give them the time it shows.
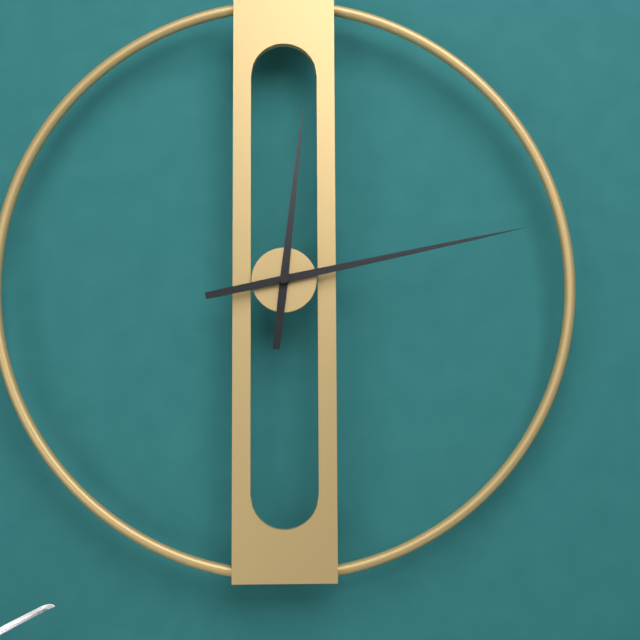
12:13
